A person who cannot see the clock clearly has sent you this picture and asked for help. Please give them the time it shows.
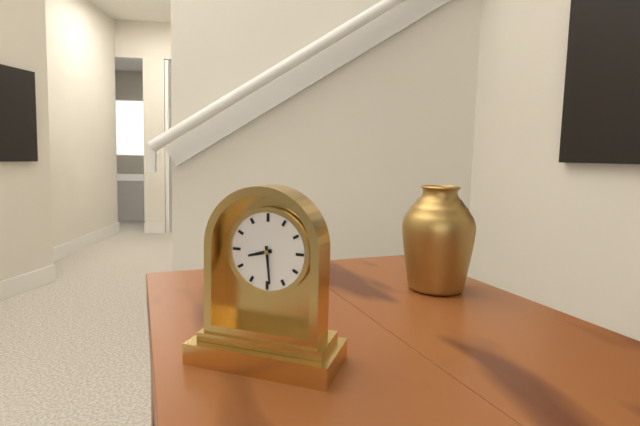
8:29
